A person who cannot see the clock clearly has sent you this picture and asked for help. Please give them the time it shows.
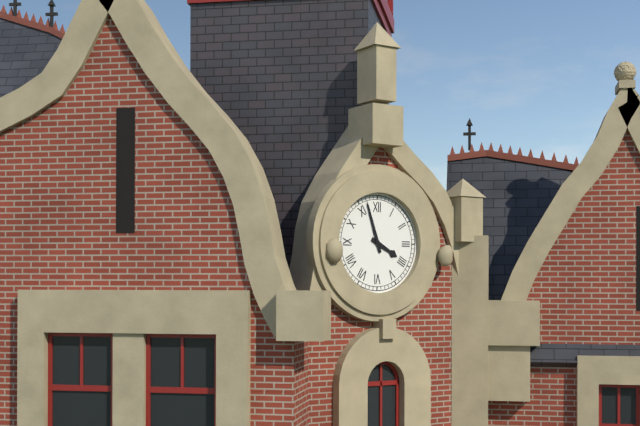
3:57
